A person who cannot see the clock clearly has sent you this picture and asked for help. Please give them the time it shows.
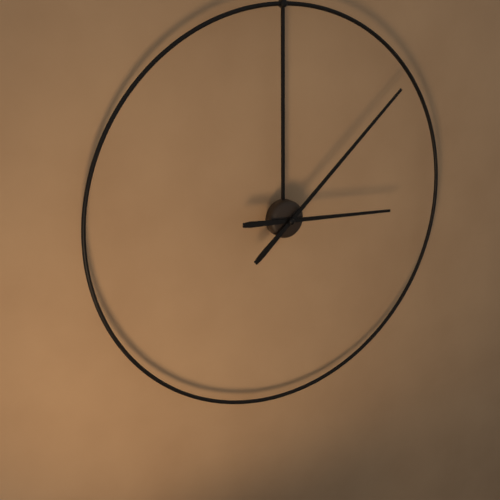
3:08
